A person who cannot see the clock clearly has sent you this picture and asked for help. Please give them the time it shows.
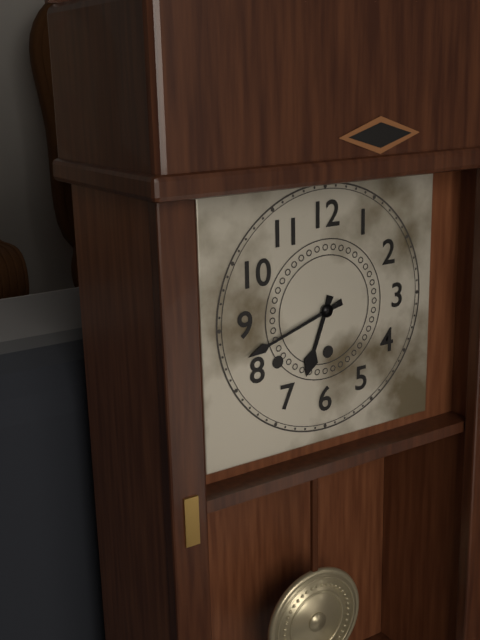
6:42
